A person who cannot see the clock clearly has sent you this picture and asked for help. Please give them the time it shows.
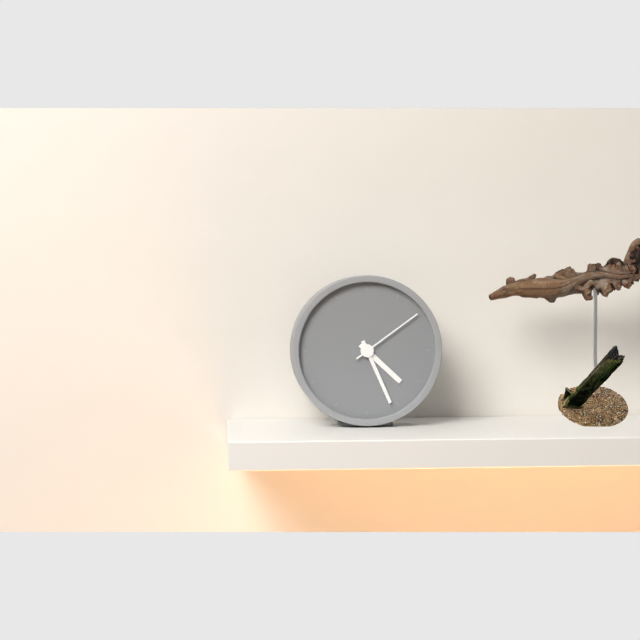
4:26:09
